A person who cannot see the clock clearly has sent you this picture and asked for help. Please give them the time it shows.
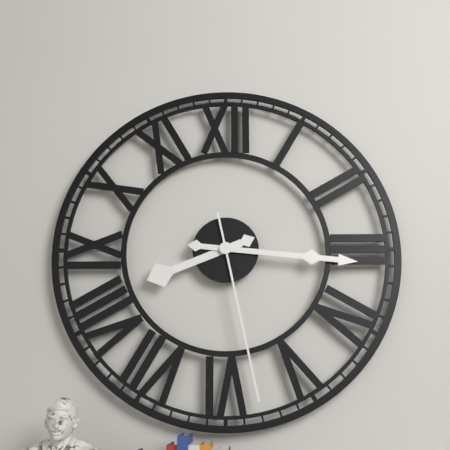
8:16:28
